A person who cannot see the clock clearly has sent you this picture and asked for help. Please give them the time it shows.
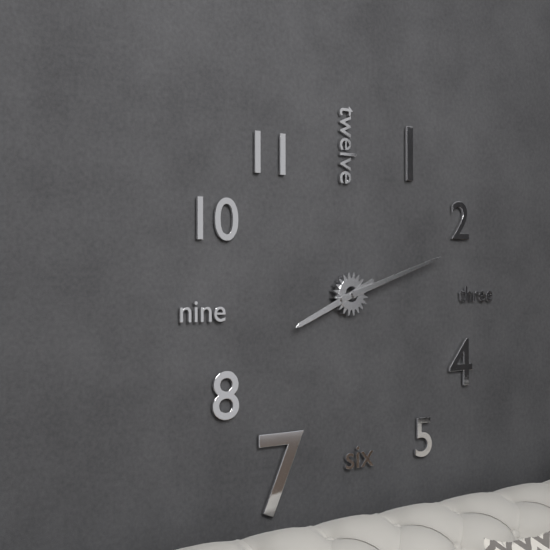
8:12
